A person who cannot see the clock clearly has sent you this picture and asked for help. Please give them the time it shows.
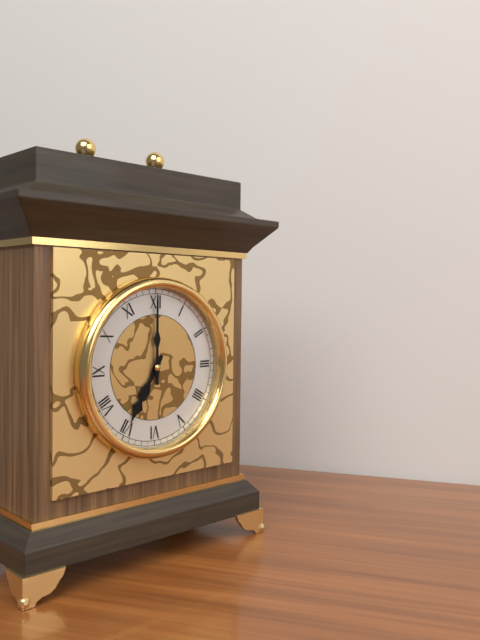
7:00
